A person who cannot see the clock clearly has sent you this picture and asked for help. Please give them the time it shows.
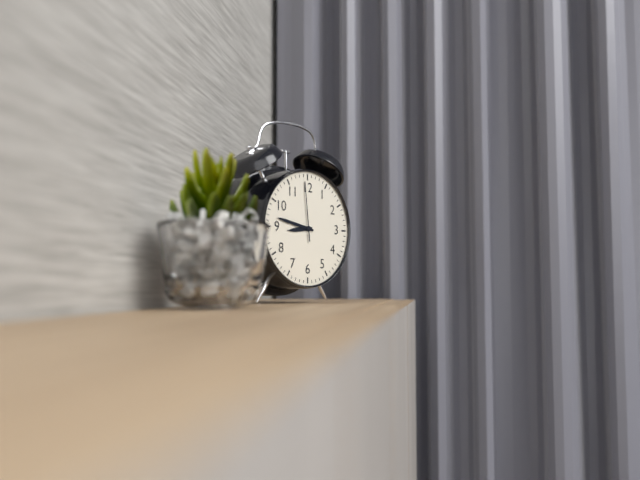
8:47:59
